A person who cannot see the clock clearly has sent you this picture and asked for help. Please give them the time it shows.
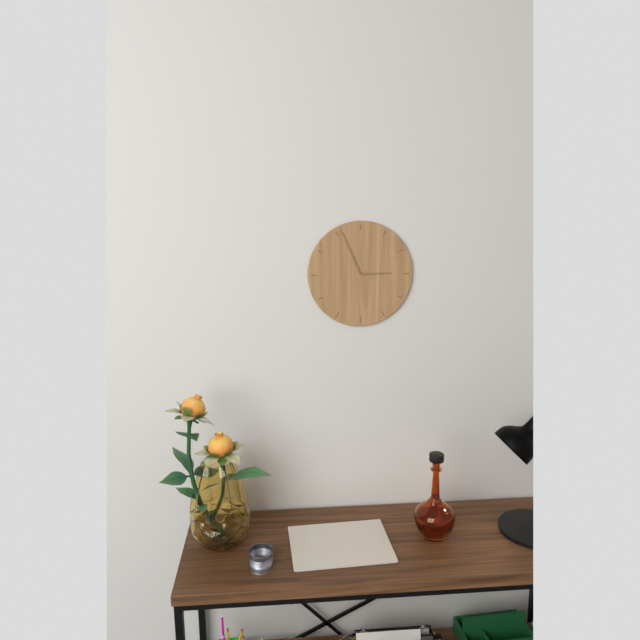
2:56
